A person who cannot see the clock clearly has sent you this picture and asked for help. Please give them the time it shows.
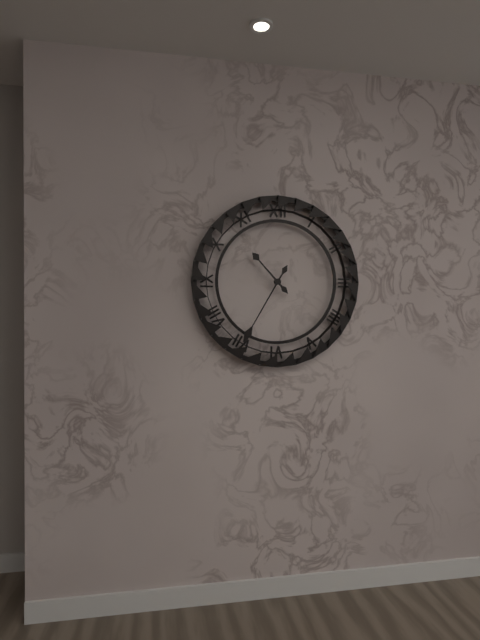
10:35
